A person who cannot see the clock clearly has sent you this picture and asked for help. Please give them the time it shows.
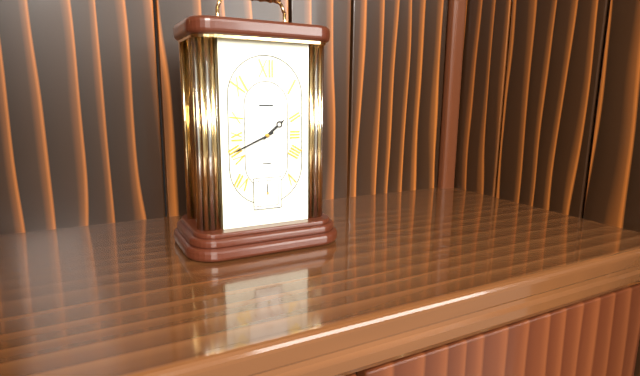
1:41
